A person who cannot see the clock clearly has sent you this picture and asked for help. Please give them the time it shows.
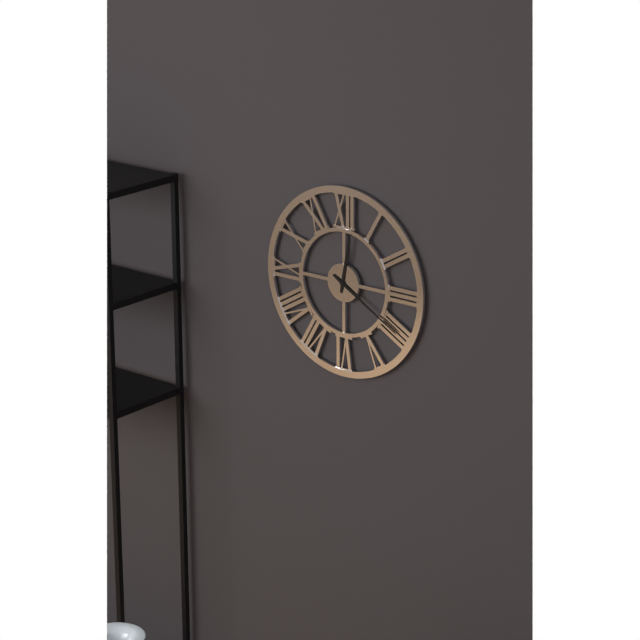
12:20
